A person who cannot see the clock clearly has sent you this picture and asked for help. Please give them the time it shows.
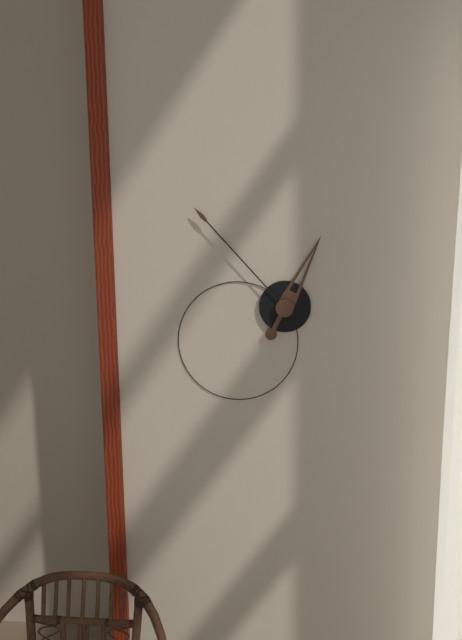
12:53
